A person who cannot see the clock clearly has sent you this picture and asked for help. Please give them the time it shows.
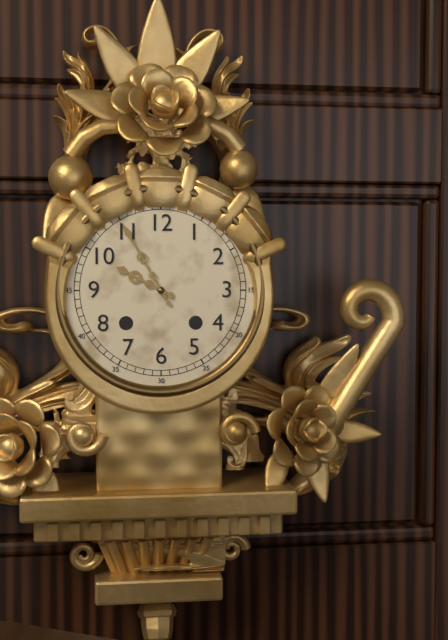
9:55
